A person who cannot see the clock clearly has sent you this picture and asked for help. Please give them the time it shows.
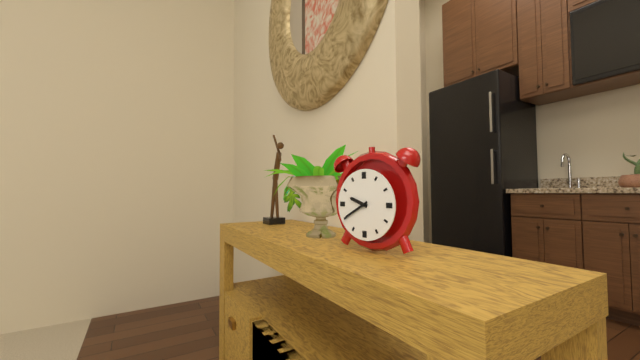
9:40
